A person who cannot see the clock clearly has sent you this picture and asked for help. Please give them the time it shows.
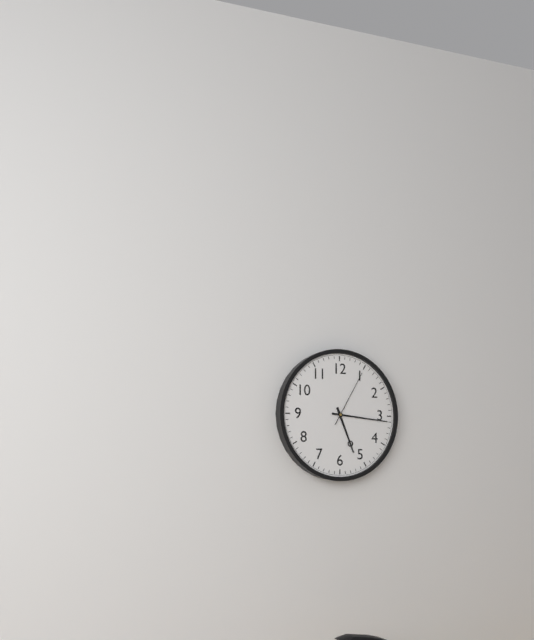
5:16:05
